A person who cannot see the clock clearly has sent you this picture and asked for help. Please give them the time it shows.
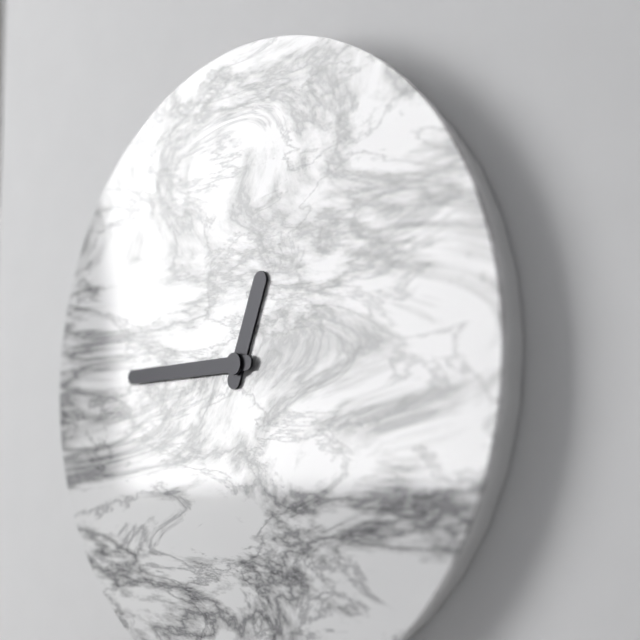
12:45
